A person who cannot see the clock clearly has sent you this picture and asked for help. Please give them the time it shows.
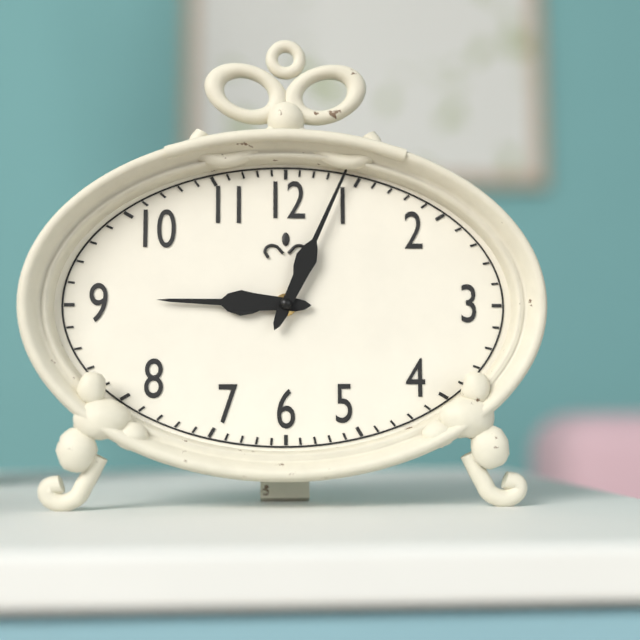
9:04
